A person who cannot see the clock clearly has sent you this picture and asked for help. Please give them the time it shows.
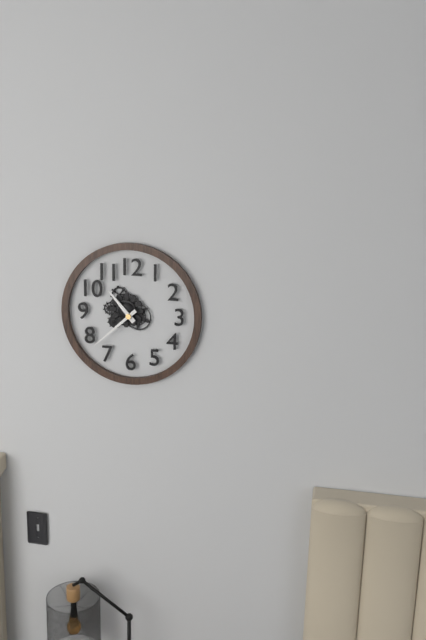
10:38
